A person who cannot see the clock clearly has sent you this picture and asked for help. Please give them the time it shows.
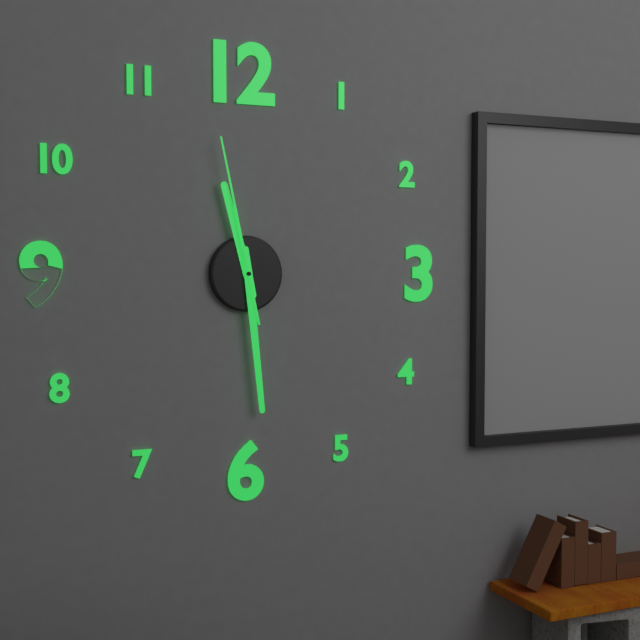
11:29:58
